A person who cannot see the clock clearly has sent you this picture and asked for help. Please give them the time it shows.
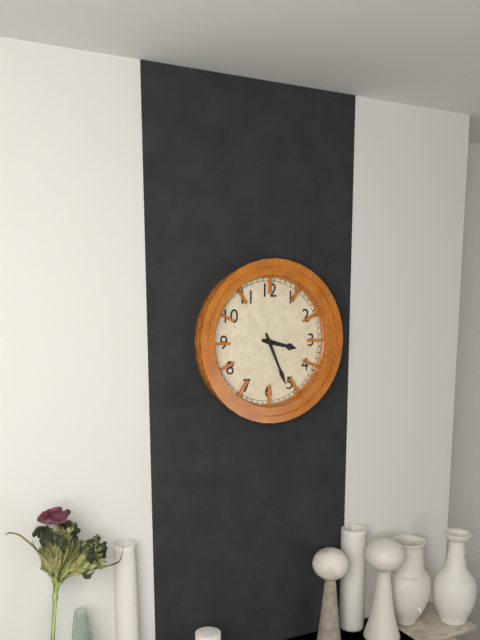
3:26
